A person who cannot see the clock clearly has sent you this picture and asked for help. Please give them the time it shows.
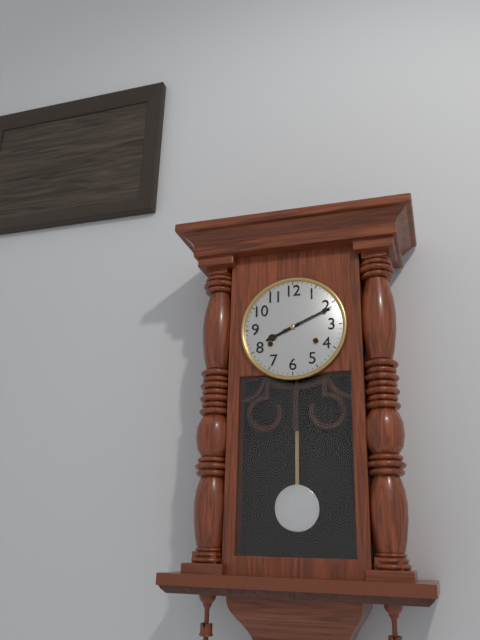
8:11
